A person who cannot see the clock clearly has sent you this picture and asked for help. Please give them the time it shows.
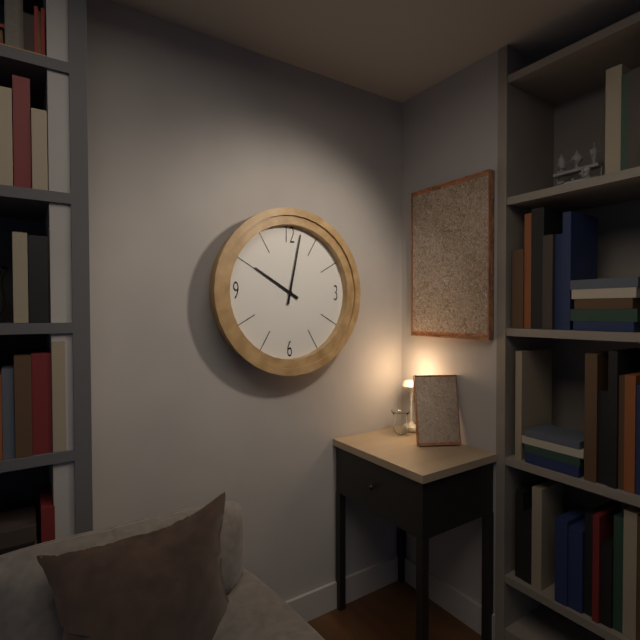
10:02
